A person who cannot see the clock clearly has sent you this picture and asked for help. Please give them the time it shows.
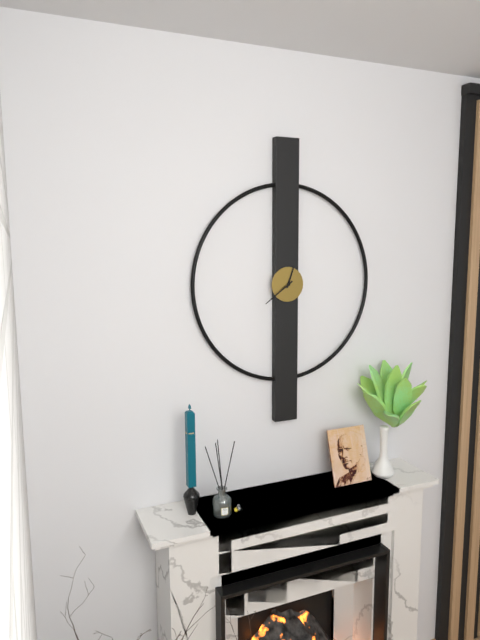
12:39
